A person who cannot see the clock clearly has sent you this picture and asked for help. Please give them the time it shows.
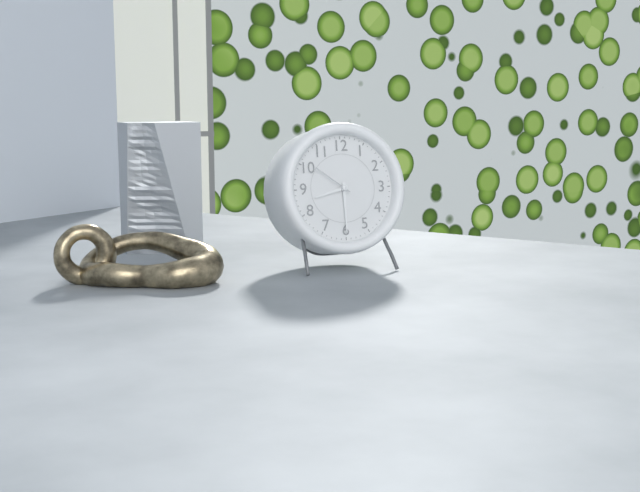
8:30
